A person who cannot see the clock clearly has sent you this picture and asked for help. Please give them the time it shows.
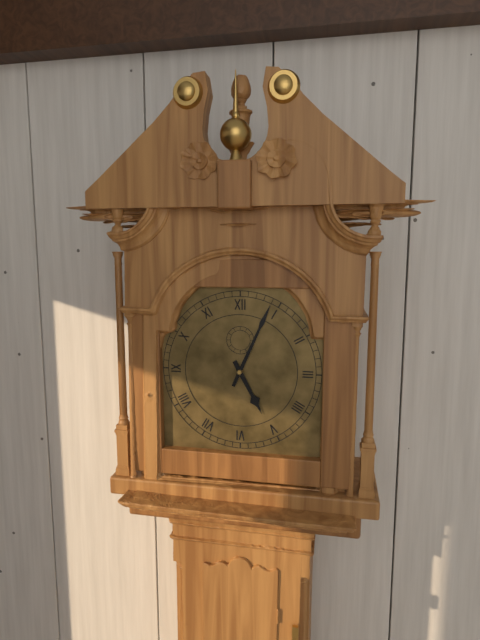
5:04
